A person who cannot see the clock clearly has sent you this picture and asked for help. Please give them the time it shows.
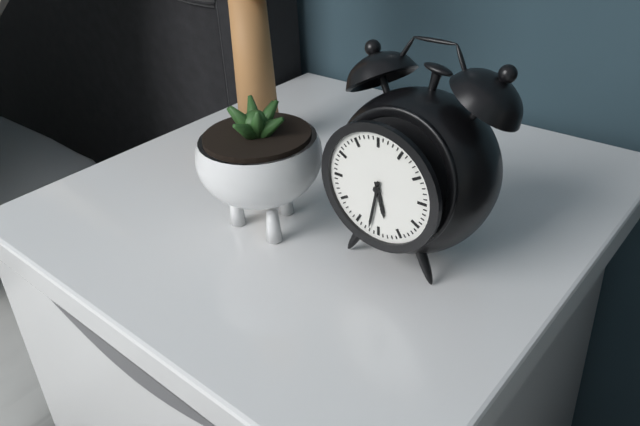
5:32
